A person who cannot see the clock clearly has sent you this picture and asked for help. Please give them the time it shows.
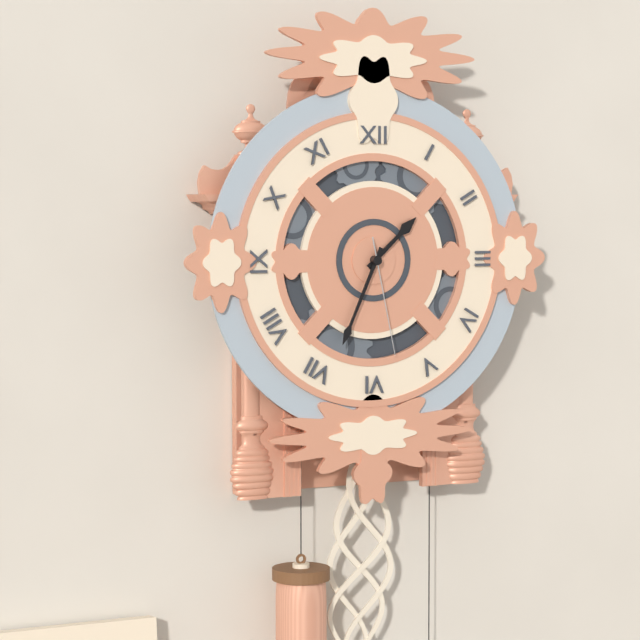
1:34:28
